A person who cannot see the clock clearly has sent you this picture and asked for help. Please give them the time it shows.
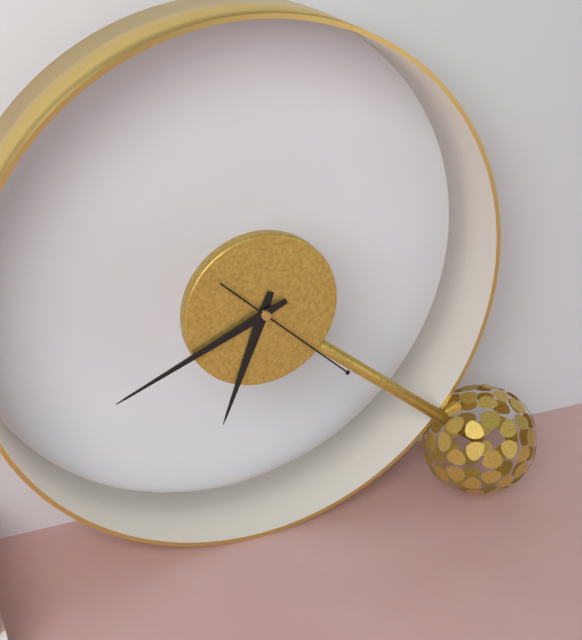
6:41:22
